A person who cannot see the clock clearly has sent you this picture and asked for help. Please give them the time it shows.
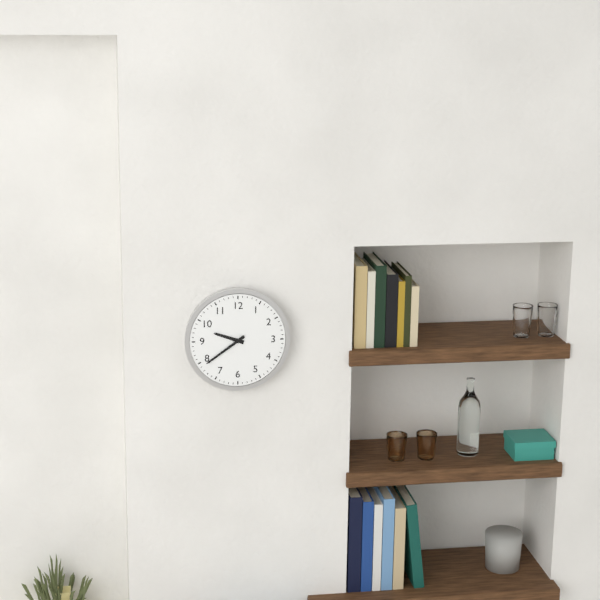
9:39
